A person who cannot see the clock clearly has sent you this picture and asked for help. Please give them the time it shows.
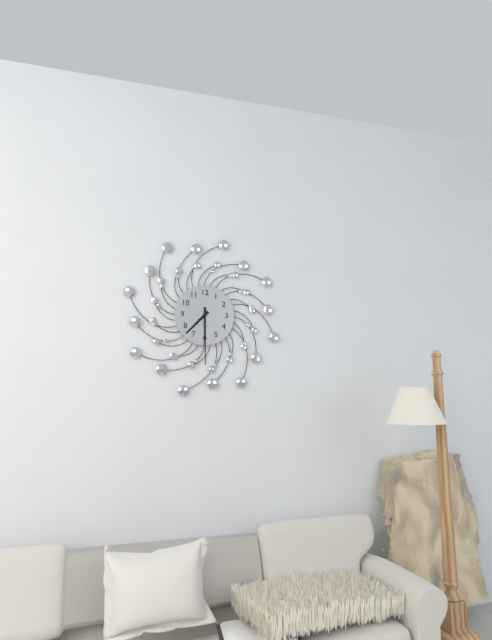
7:30
